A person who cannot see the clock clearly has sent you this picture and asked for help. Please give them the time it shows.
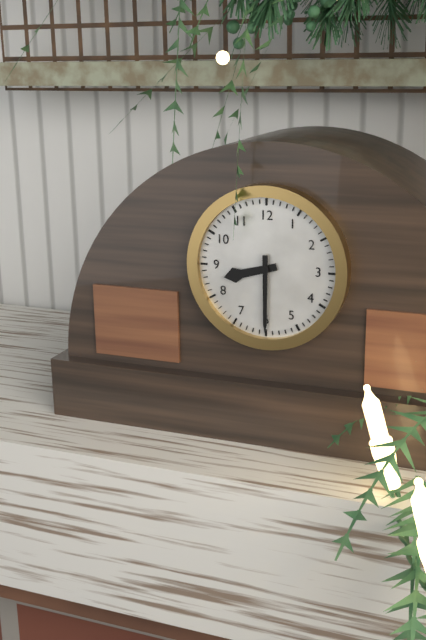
8:30
